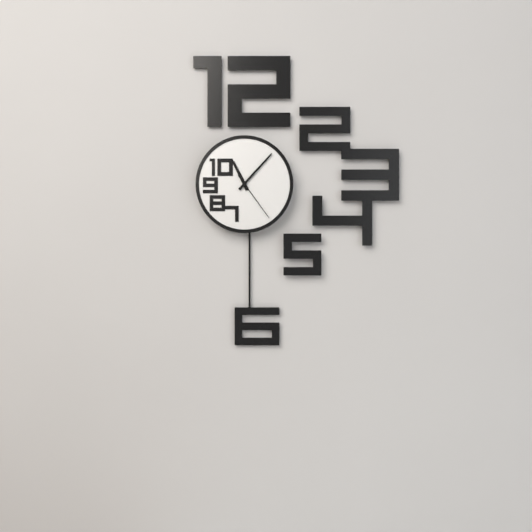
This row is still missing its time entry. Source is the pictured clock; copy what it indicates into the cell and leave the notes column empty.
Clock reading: 11:07:24
